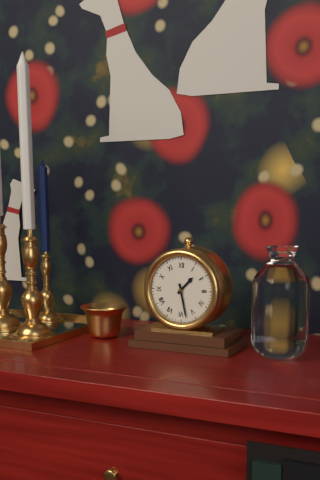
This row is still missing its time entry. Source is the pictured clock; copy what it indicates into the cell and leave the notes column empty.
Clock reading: 1:28
